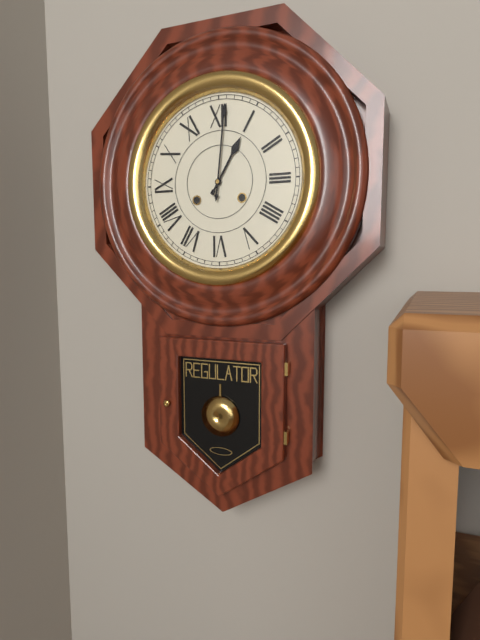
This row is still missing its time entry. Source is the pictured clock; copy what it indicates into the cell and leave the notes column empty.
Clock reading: 1:01
